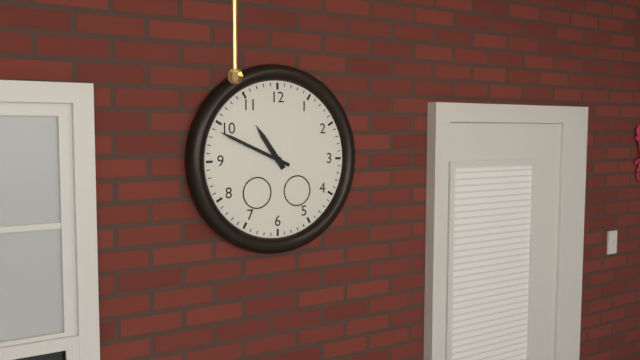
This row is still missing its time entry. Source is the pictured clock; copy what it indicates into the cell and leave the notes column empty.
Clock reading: 10:49
